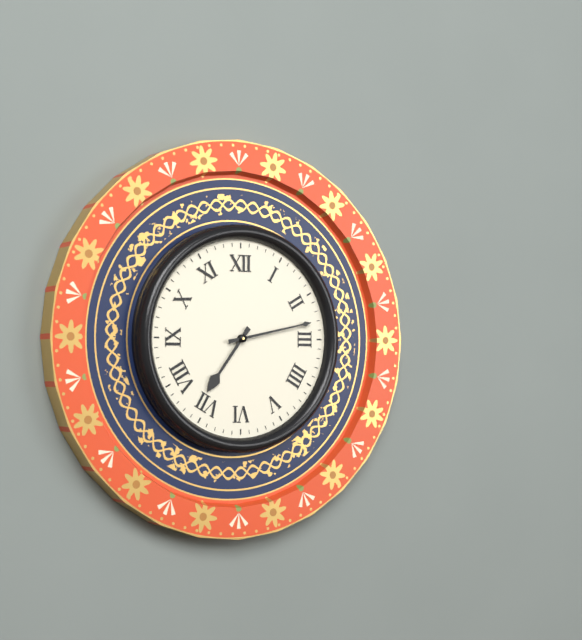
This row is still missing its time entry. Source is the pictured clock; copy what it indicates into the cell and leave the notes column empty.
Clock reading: 7:13
